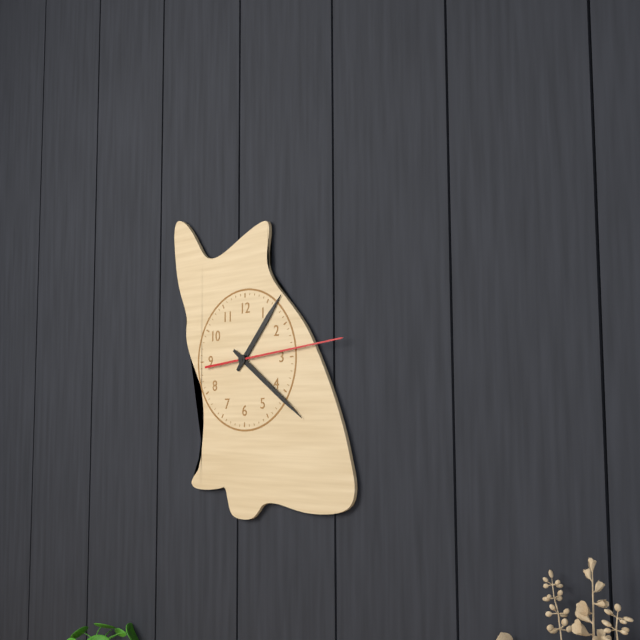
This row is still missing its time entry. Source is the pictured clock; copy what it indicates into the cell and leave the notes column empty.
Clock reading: 1:21:14
